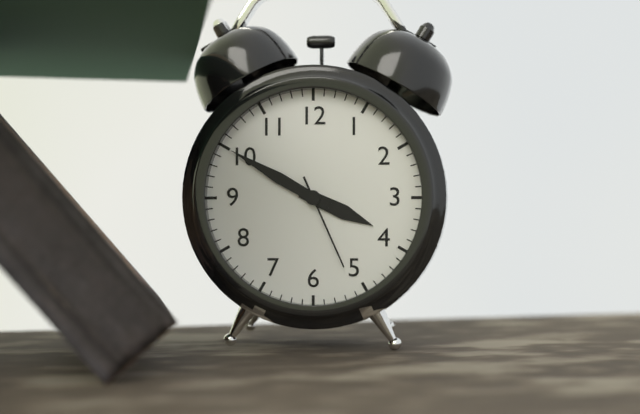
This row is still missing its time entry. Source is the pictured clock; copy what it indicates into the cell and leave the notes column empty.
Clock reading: 3:50:26
